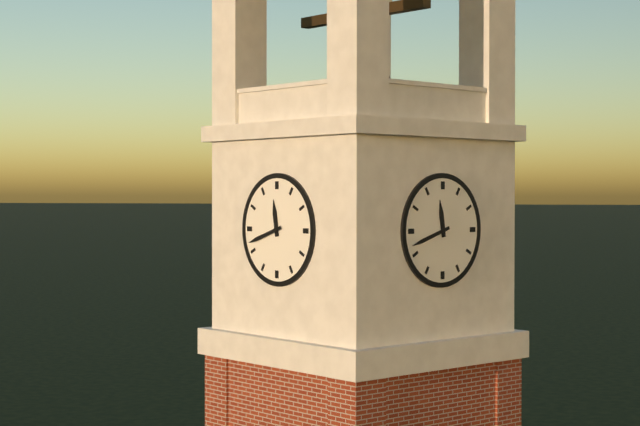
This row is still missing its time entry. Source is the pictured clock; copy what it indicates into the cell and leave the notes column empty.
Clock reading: 11:42
